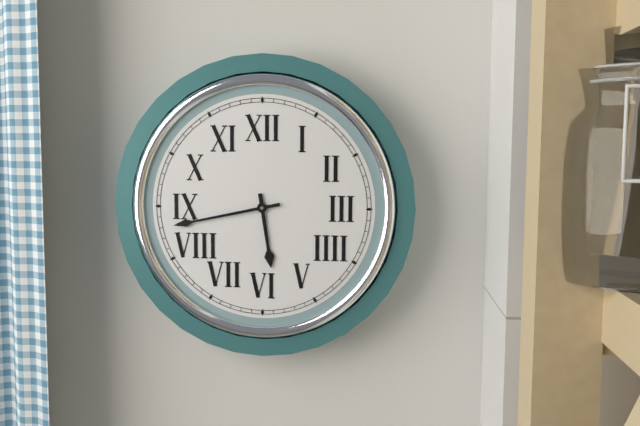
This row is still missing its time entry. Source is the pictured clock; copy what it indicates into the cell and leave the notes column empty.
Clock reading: 5:43
